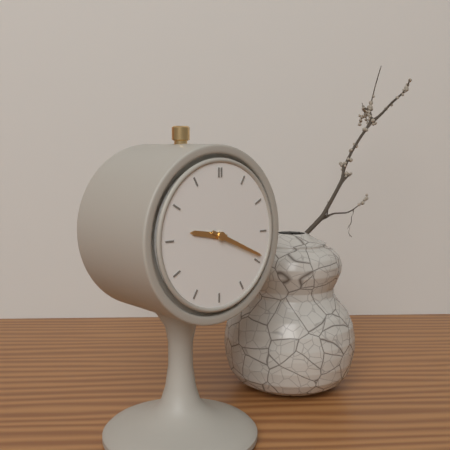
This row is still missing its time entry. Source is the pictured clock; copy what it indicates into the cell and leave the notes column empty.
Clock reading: 9:19
